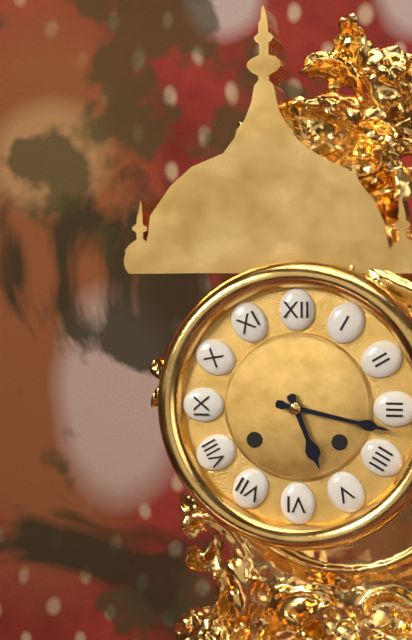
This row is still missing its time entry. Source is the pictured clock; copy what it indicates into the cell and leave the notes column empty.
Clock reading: 5:17
